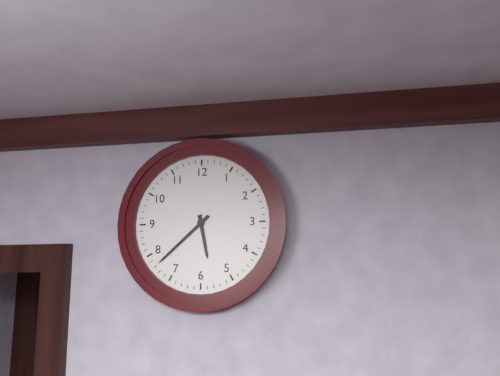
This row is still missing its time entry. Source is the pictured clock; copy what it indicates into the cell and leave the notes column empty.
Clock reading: 5:38
